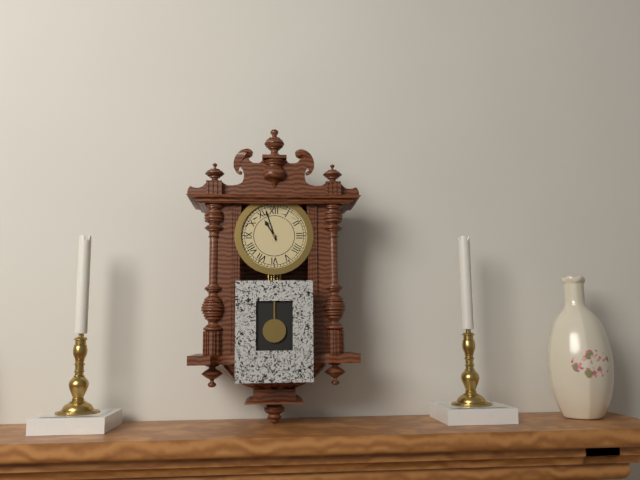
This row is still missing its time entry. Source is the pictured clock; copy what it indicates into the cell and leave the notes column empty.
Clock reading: 10:57
